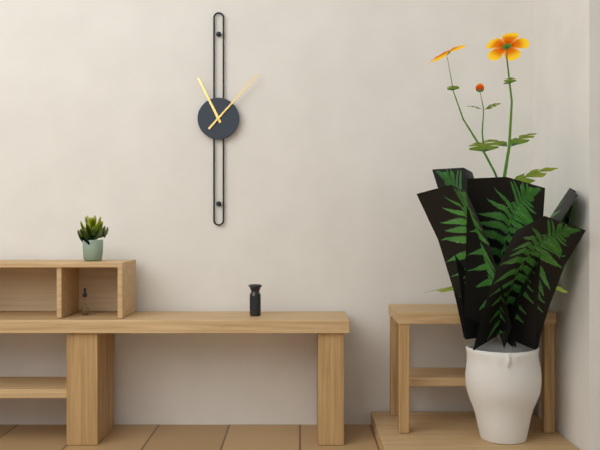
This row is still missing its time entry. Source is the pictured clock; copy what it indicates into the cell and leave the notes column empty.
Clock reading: 11:07
